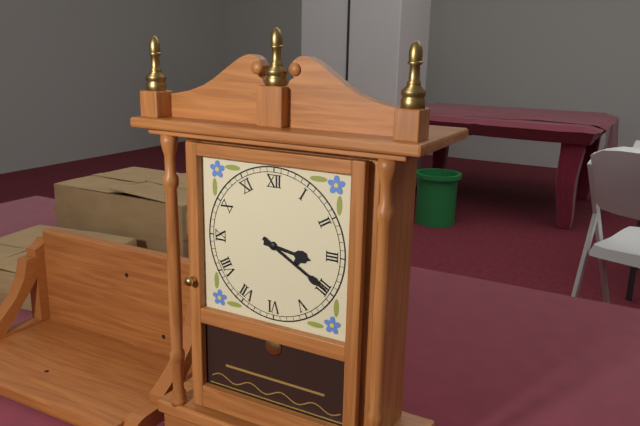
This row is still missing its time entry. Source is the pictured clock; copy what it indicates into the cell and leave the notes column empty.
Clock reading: 3:20
